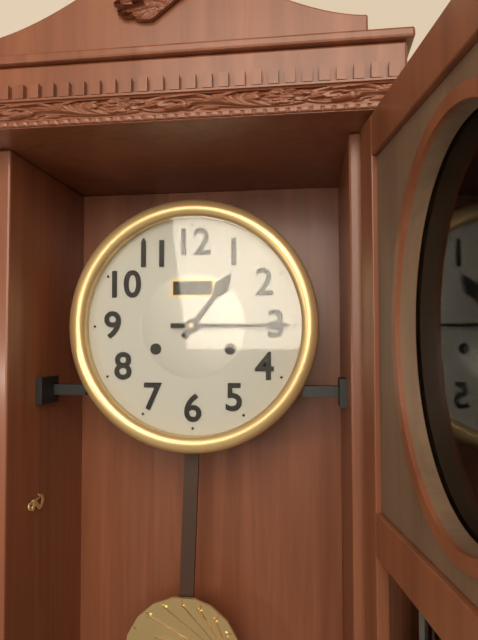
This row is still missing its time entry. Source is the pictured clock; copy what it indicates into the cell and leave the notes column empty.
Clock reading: 1:15
